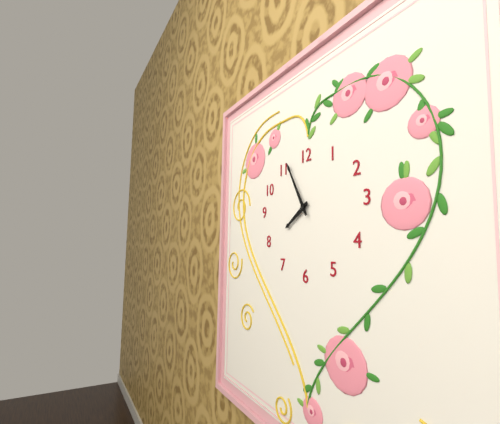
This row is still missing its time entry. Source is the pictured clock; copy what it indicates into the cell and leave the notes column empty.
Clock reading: 7:55
